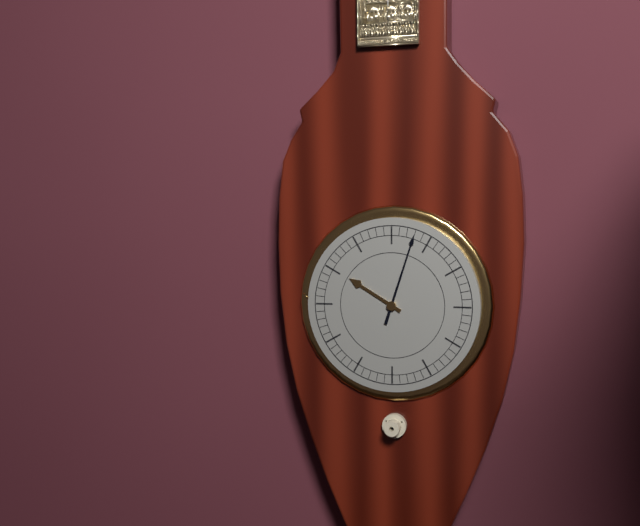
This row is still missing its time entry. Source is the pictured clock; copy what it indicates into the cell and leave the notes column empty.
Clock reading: 10:03
